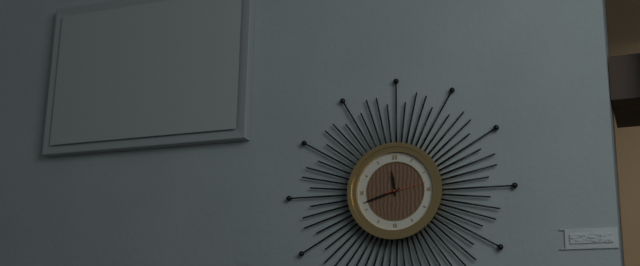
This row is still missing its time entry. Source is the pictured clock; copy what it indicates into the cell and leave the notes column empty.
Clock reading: 11:42
